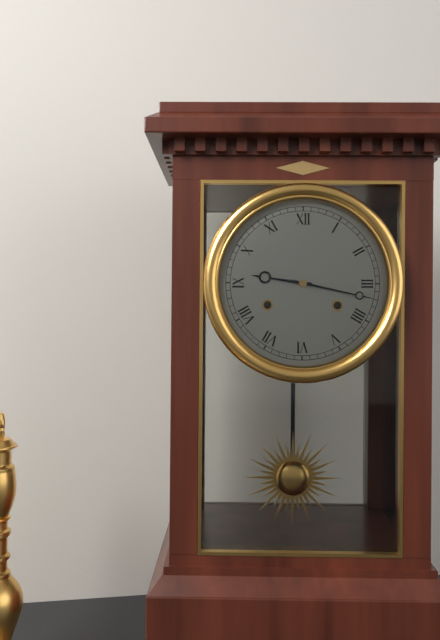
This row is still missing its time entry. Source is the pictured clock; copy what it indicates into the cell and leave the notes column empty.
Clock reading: 9:17
